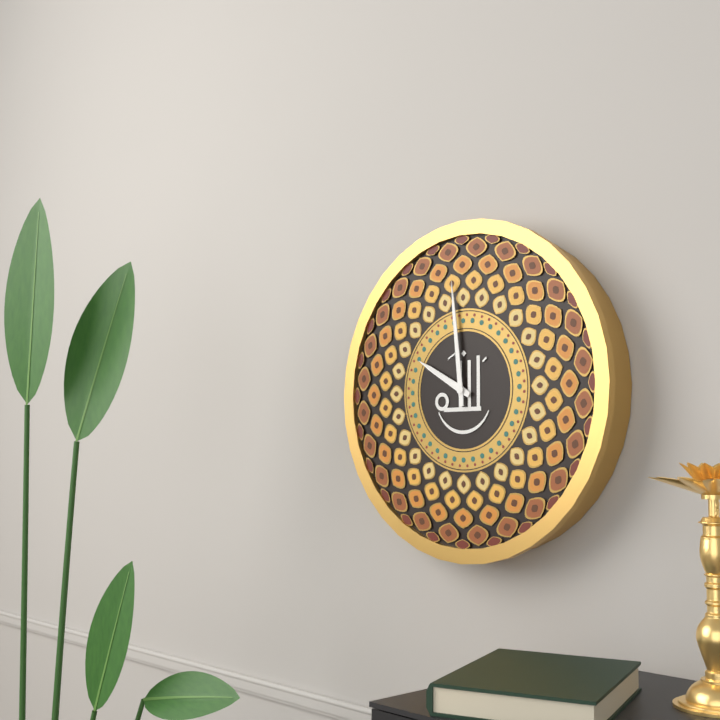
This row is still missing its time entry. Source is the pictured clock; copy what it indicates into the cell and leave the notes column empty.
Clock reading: 9:59
